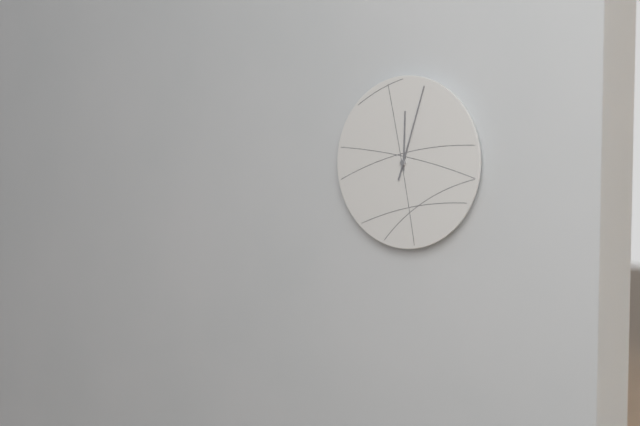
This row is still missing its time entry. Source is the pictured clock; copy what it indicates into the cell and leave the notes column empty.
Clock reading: 12:03
